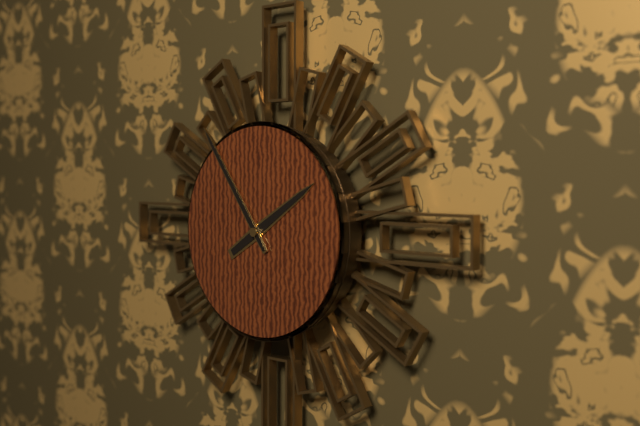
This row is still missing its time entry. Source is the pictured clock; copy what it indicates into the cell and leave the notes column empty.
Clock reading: 1:54
